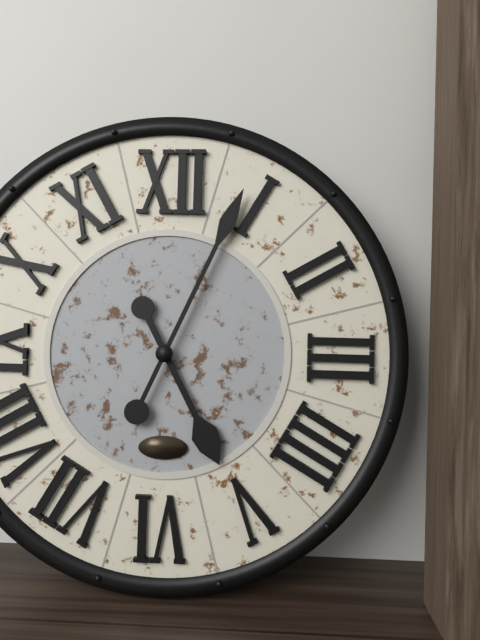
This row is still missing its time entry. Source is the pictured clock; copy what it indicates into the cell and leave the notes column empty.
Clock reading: 5:04
